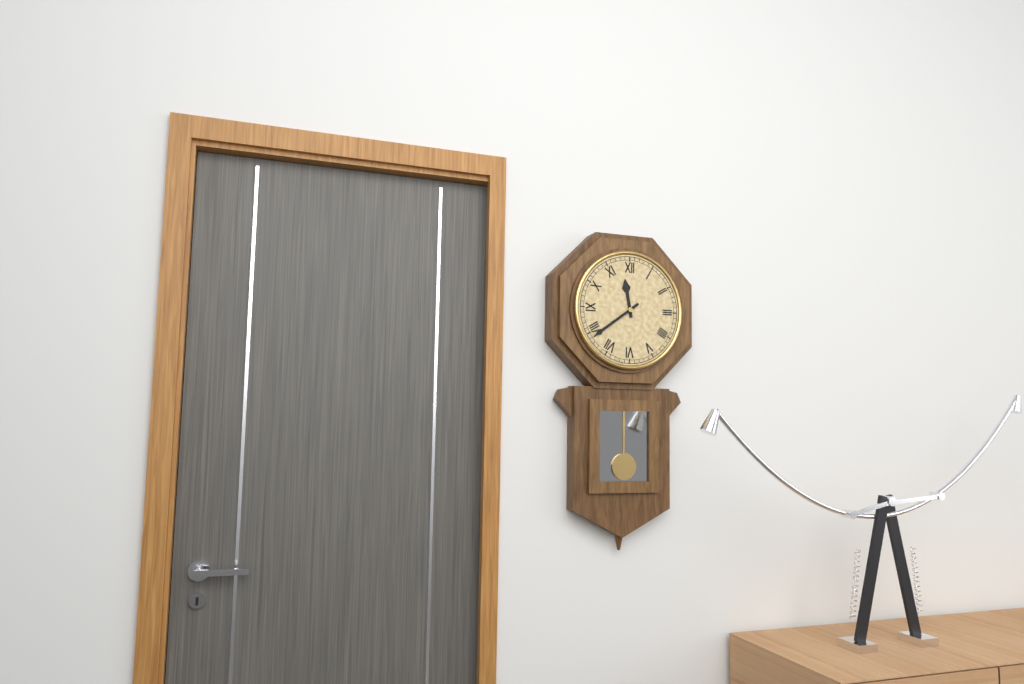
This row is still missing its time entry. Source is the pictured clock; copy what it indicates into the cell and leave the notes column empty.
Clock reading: 11:39
